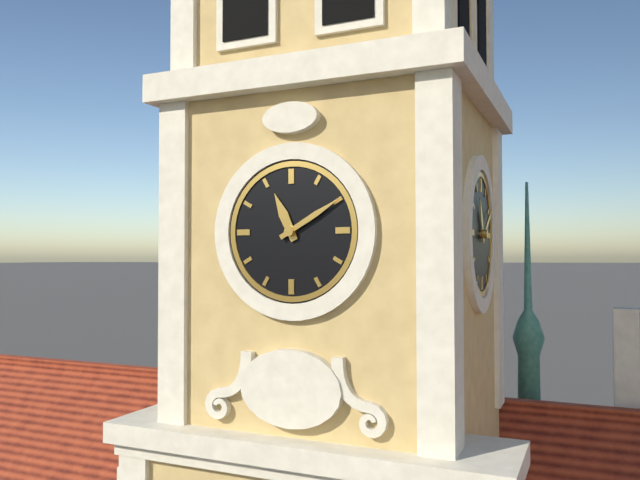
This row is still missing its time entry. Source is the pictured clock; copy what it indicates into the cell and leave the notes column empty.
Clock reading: 11:10
